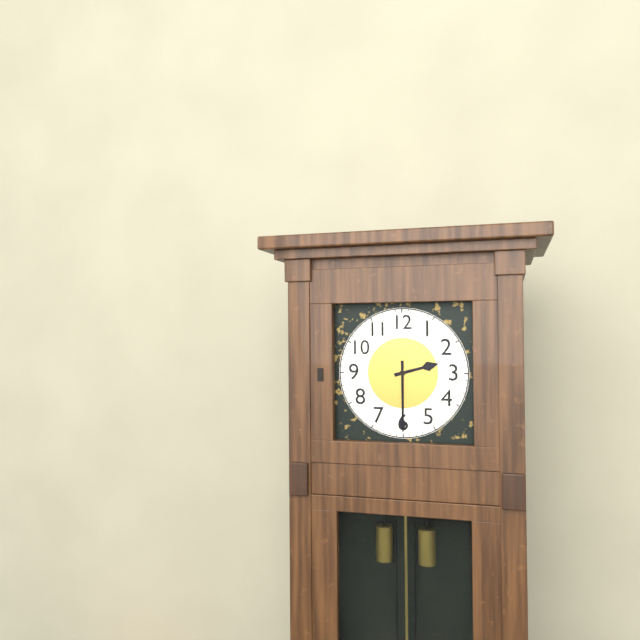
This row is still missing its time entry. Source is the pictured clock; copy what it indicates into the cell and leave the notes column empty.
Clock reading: 2:30
